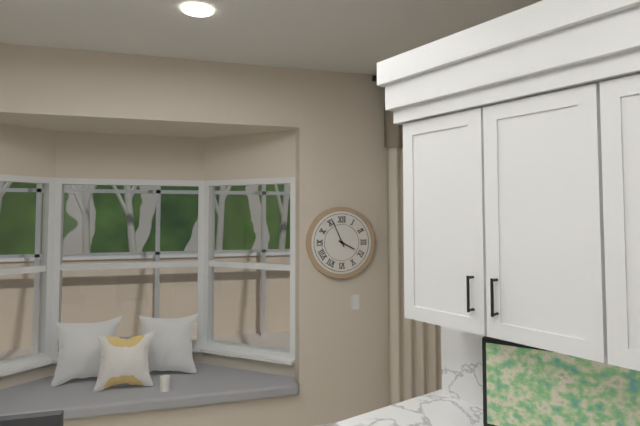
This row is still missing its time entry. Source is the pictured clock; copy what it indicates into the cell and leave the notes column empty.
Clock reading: 3:56
